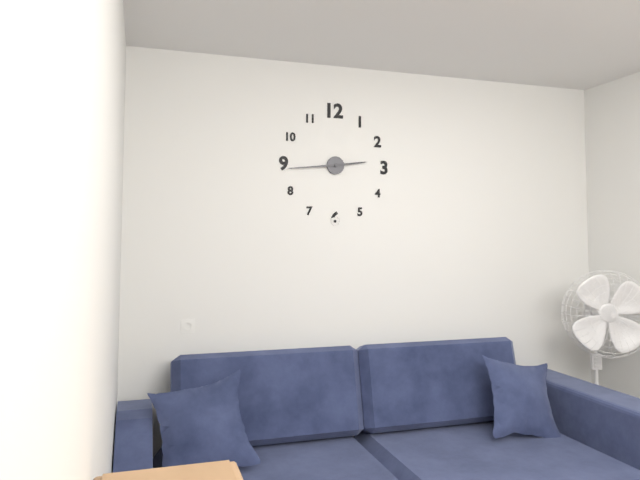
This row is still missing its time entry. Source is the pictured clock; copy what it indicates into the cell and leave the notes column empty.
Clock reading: 2:44
